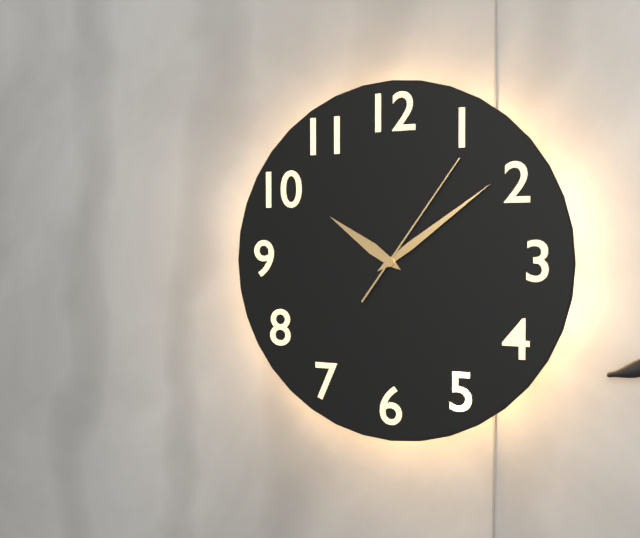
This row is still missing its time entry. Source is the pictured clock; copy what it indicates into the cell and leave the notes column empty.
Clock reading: 10:09:06
